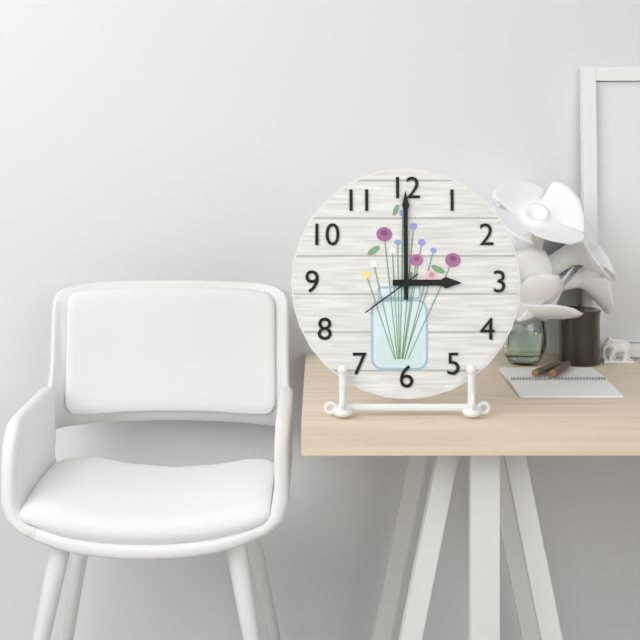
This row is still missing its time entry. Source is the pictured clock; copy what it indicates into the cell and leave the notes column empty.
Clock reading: 3:00:39
